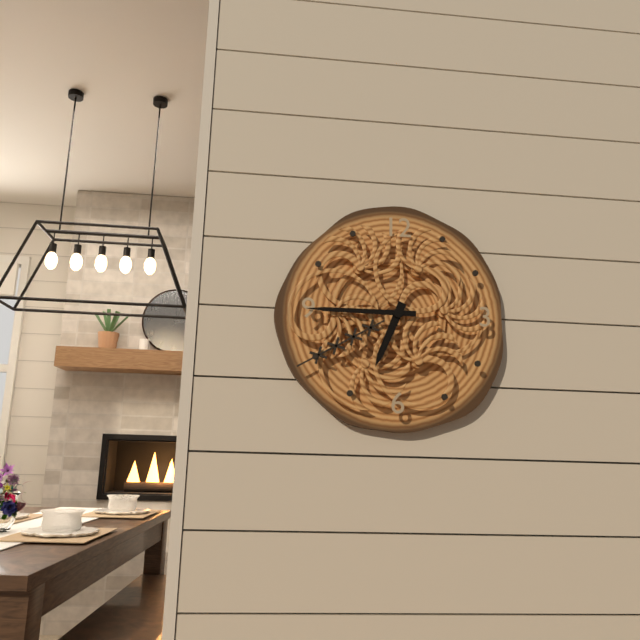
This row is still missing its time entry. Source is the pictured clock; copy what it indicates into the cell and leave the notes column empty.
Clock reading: 6:45
